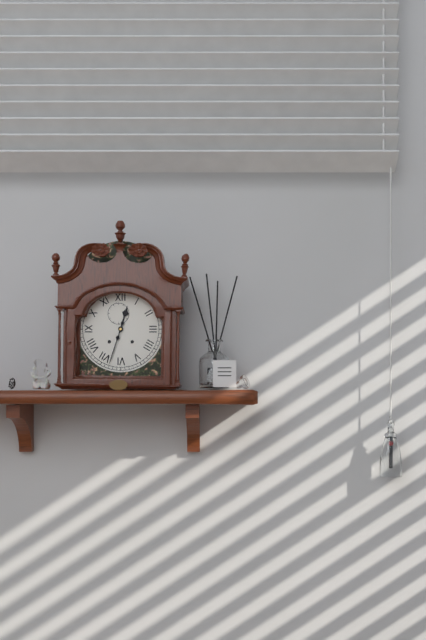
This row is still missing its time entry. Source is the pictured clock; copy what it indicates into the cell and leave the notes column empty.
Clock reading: 12:33
